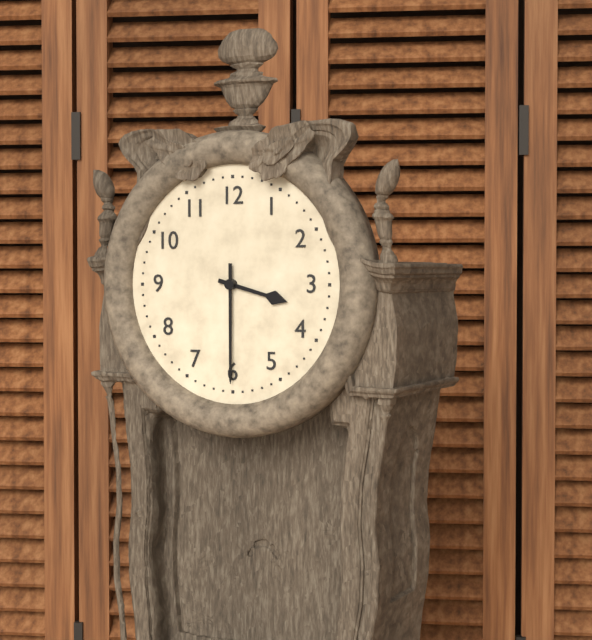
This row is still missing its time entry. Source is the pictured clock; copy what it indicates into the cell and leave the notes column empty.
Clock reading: 3:30
